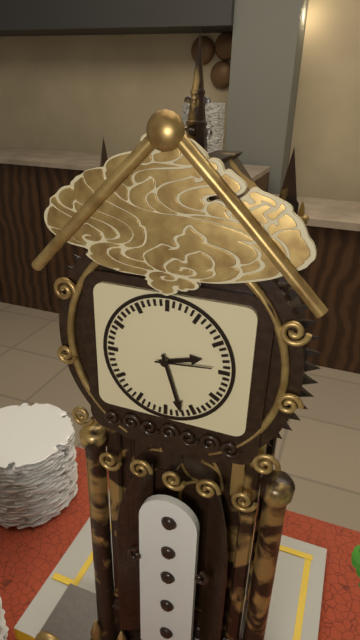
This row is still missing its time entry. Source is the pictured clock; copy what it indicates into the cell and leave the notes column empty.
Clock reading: 2:27:14
